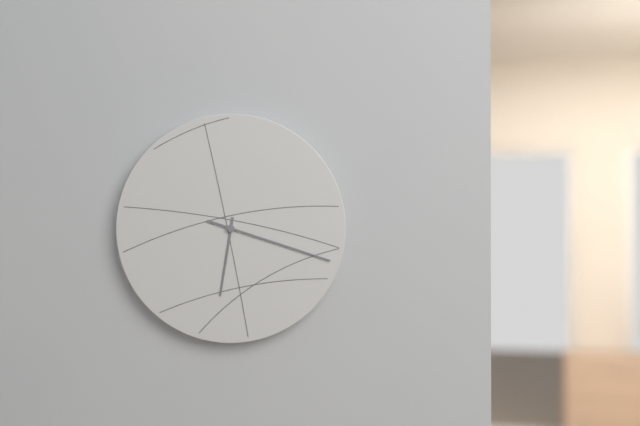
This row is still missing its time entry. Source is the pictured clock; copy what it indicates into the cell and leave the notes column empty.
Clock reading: 6:18
